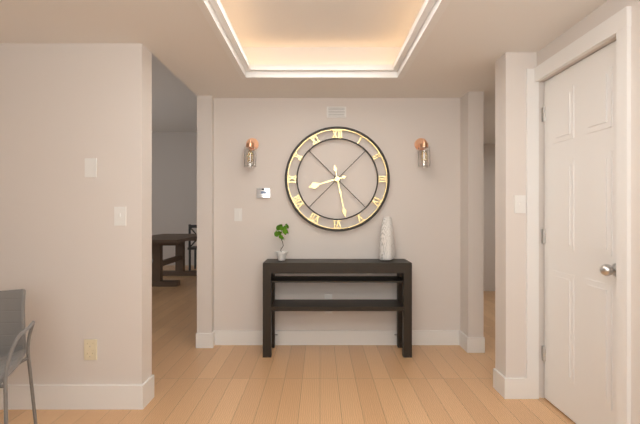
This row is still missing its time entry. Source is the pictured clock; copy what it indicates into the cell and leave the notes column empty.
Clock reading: 8:28
